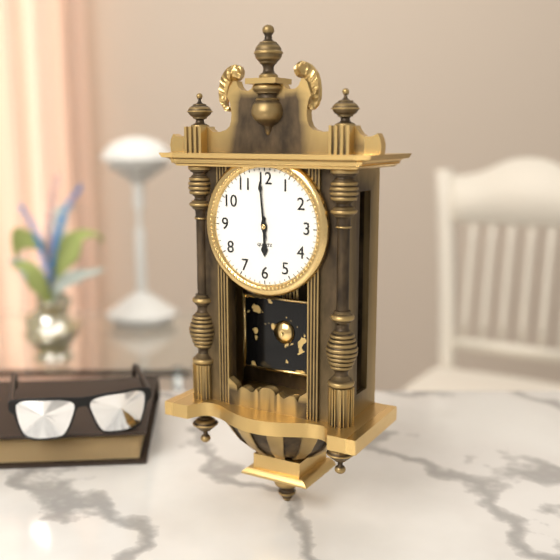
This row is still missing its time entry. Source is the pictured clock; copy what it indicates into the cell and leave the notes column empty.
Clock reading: 5:59
